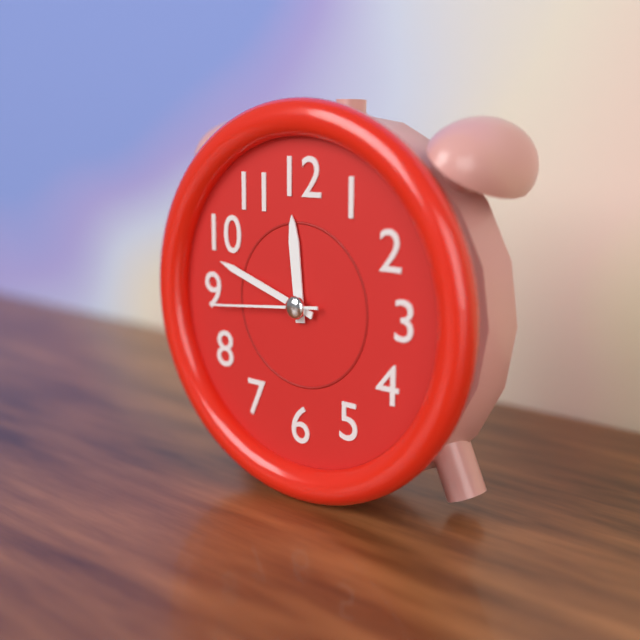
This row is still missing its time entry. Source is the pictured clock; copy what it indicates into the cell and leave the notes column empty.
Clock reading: 11:48:44
